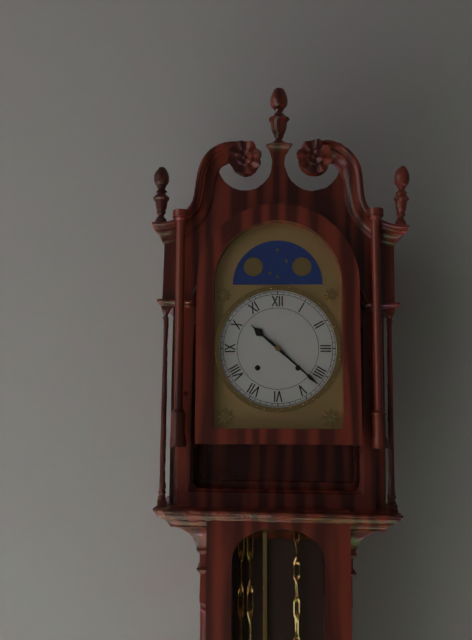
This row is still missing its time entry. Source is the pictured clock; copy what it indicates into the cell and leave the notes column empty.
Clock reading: 10:22
